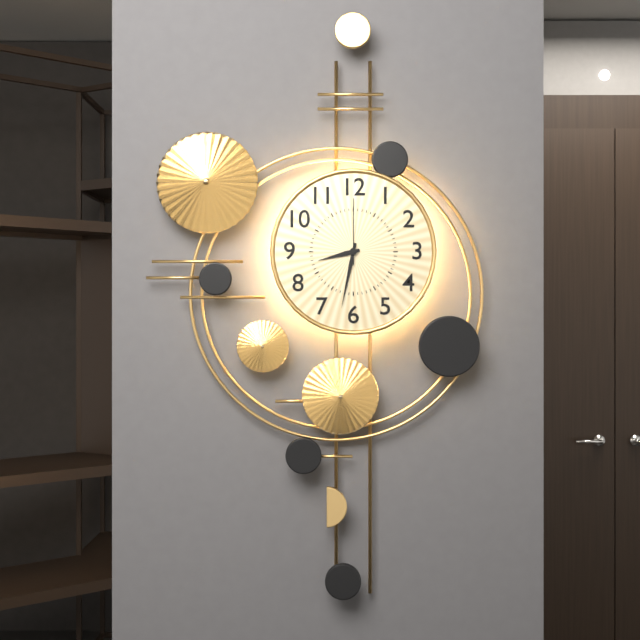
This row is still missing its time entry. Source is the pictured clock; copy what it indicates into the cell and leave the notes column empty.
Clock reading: 8:32:00
